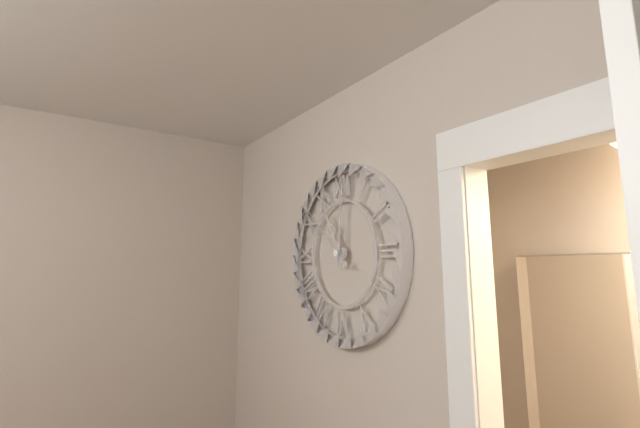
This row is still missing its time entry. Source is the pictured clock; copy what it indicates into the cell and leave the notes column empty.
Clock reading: 11:01:52
